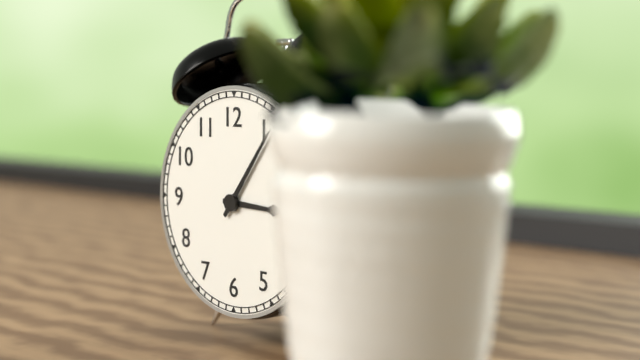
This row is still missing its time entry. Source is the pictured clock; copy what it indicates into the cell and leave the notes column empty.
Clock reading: 3:06
